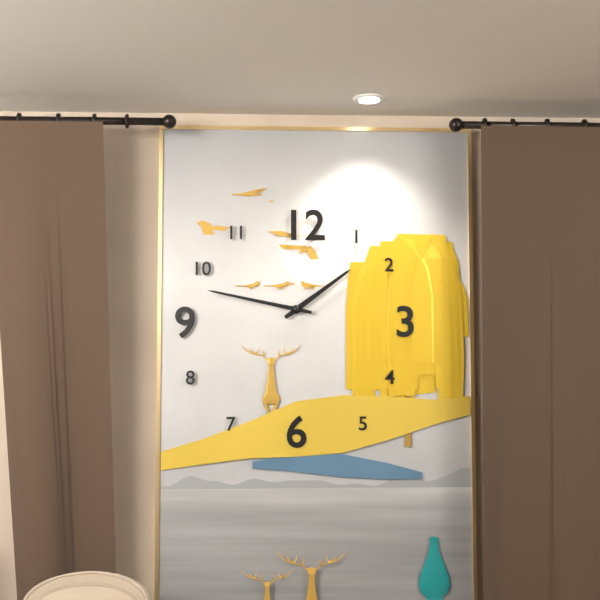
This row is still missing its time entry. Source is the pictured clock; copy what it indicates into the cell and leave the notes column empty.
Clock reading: 1:47
